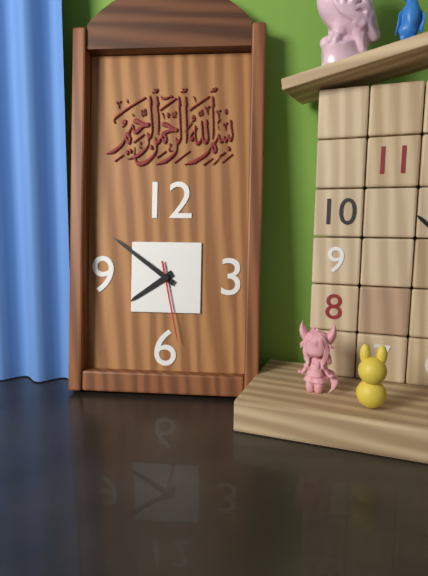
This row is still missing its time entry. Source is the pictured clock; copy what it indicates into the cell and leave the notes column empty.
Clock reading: 7:51:28
